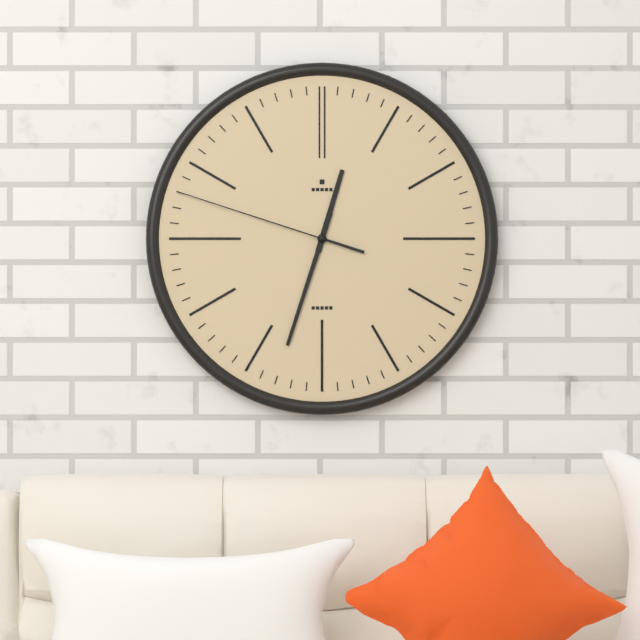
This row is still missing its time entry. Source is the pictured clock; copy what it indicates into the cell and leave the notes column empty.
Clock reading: 12:33:48
